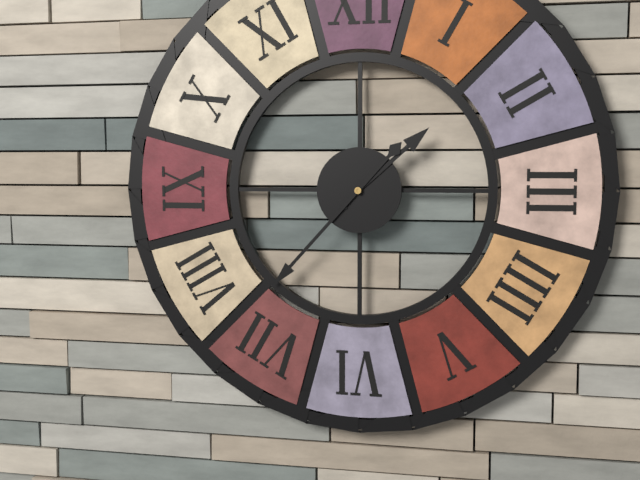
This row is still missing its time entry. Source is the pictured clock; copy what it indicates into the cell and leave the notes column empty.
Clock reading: 1:37
